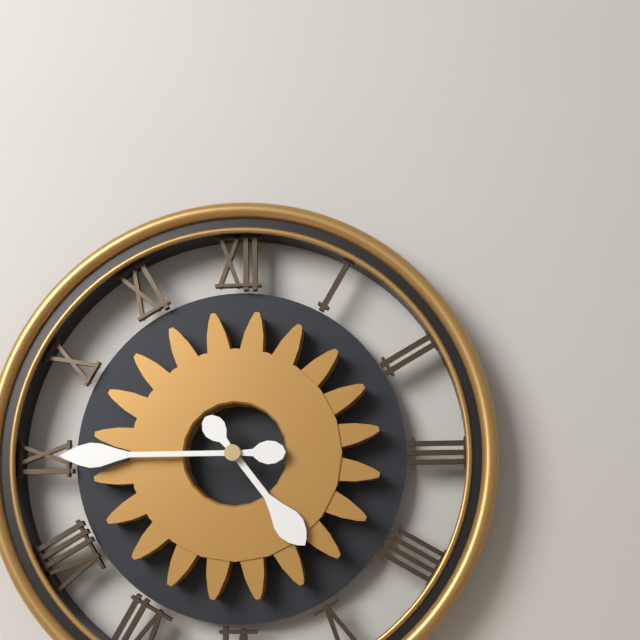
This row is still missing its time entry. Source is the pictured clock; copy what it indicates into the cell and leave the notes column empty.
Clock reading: 4:45
